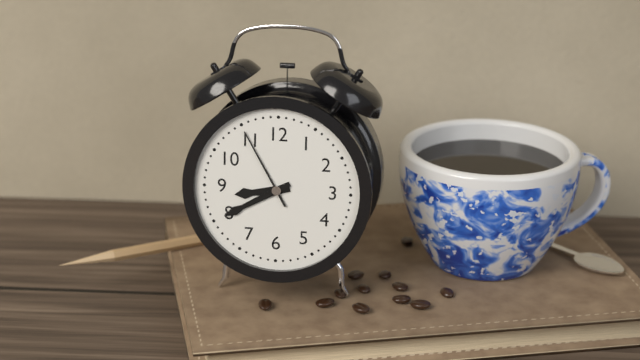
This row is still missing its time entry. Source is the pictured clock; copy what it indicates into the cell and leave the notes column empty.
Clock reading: 8:40:55
